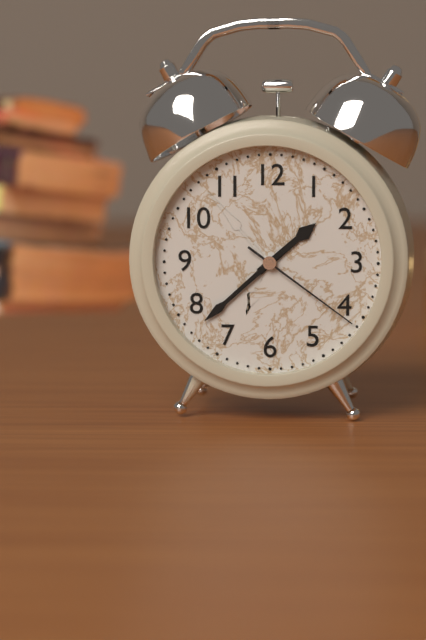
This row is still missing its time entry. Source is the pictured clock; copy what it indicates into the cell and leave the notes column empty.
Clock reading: 1:38:21
